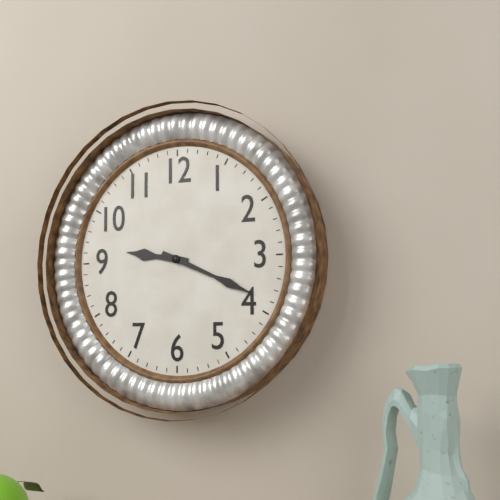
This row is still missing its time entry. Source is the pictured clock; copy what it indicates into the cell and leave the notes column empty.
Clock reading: 9:19
